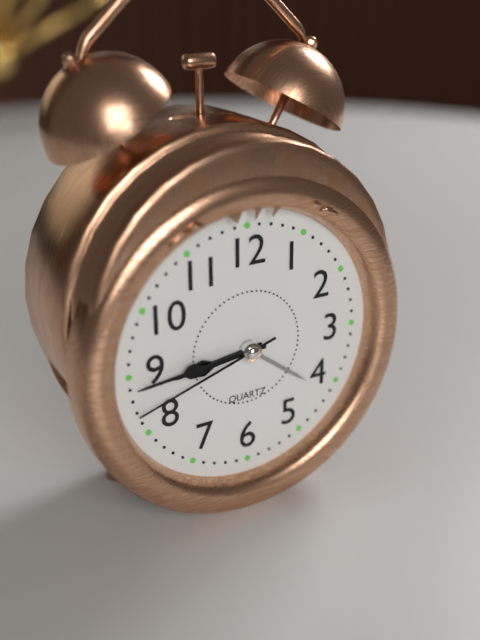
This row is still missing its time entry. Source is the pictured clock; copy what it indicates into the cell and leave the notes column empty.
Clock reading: 8:44:42
